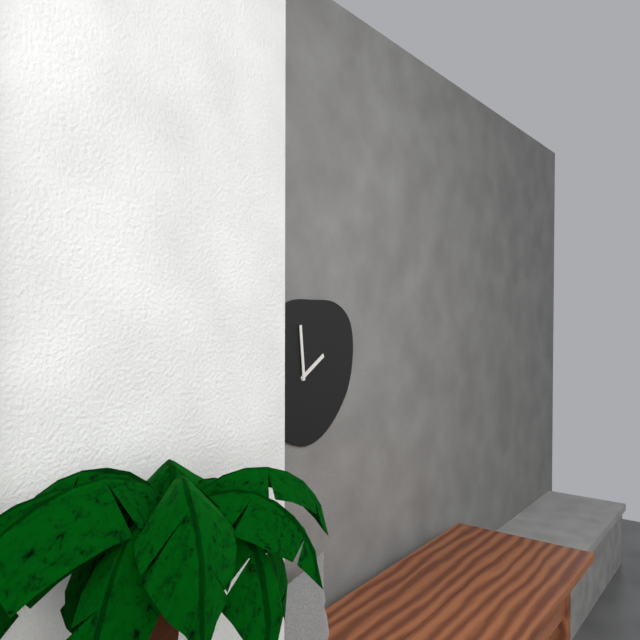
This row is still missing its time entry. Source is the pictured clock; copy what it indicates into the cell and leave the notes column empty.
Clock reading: 1:59
